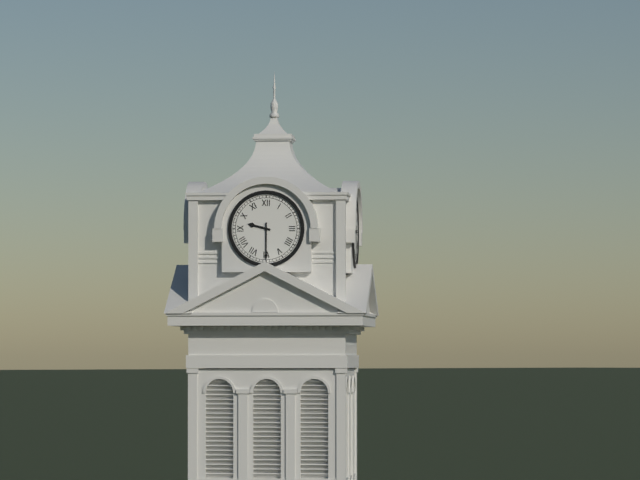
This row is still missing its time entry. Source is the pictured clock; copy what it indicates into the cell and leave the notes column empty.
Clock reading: 9:30
